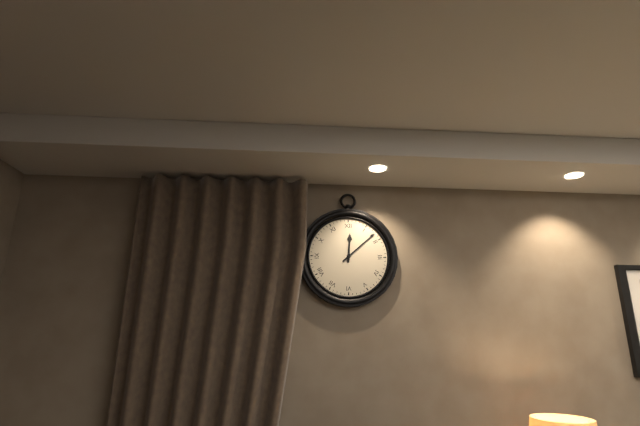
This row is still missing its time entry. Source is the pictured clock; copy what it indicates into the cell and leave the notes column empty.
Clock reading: 12:08
